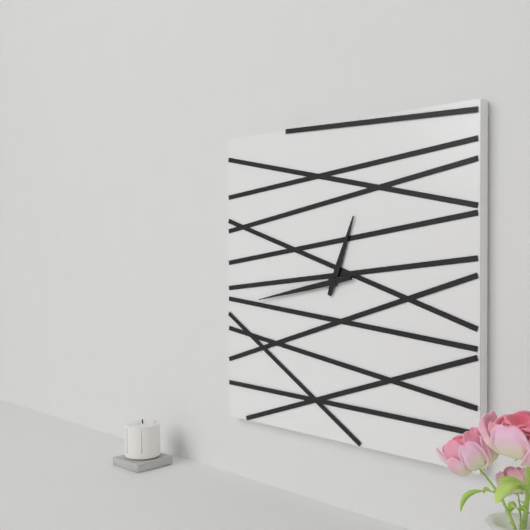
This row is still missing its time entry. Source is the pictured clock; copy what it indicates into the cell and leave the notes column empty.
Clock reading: 12:43
